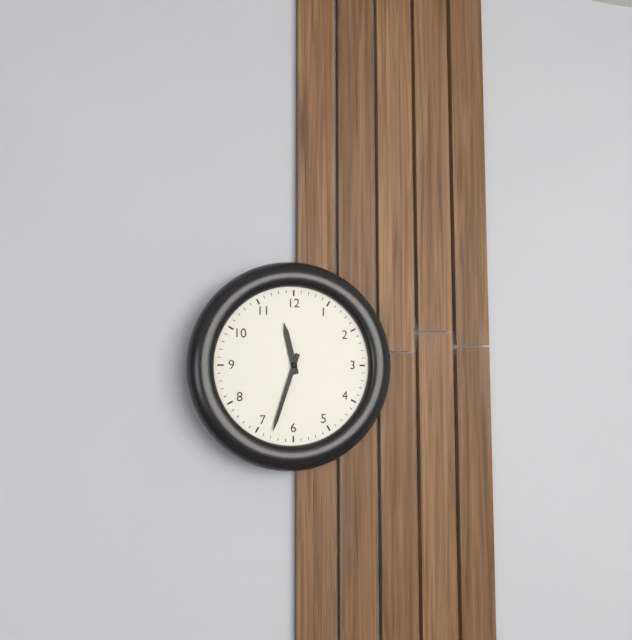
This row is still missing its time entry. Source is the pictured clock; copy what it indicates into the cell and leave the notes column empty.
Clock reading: 11:33
